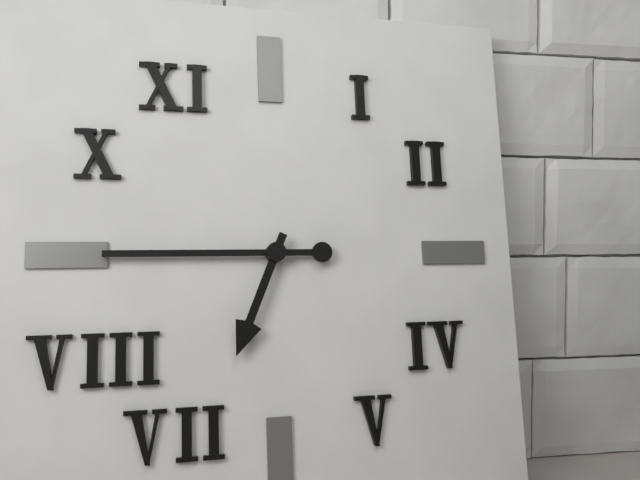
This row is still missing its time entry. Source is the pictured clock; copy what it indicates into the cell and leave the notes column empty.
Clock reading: 6:45
